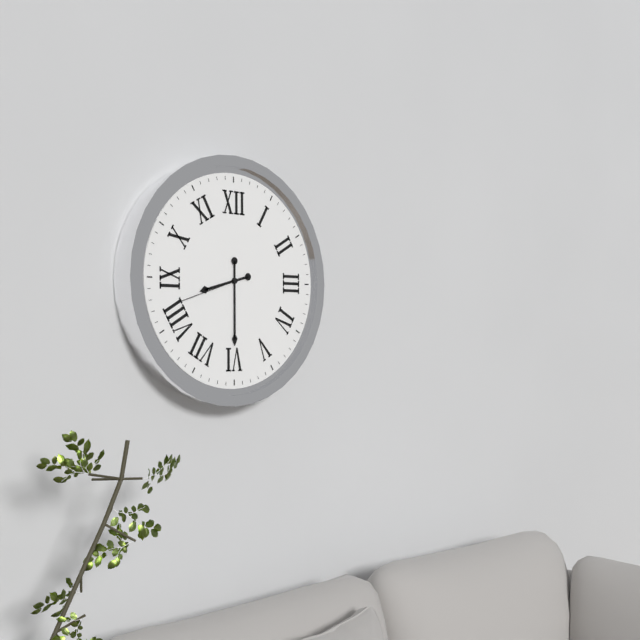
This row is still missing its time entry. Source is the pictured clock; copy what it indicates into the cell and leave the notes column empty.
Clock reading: 8:30:42
